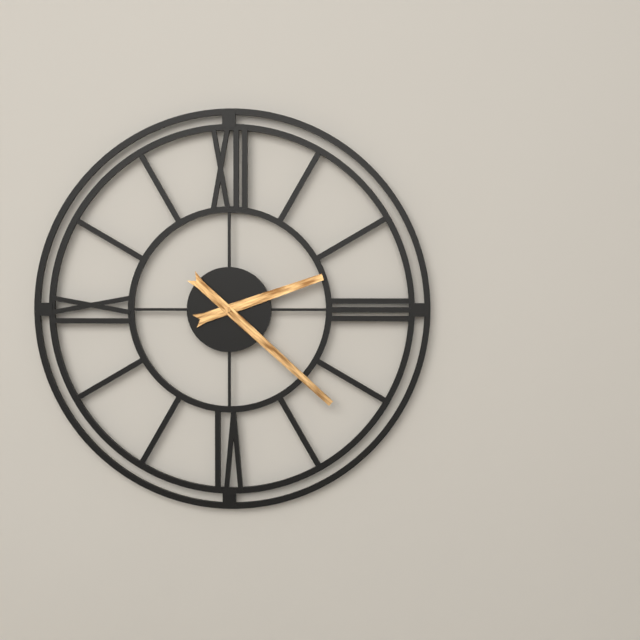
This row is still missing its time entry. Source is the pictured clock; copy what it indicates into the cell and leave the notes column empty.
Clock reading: 2:22
